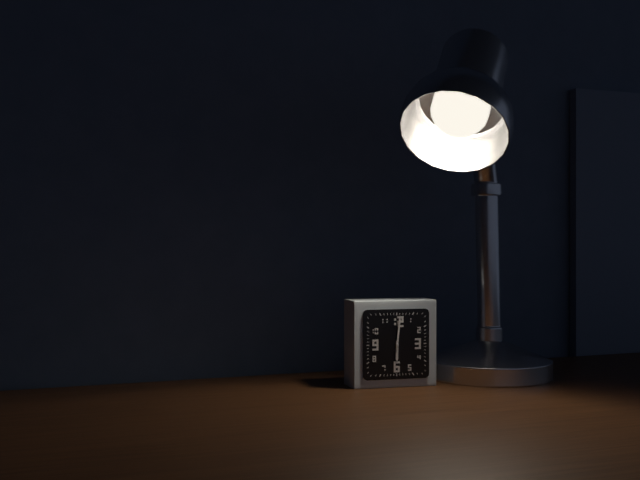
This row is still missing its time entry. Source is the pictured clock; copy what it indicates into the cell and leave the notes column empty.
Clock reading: 6:01
